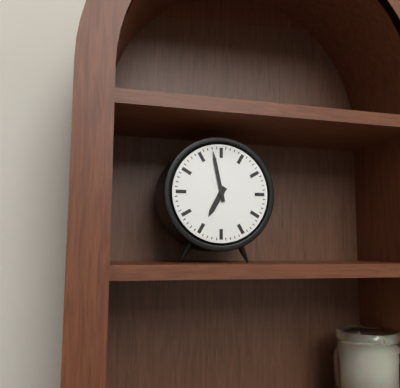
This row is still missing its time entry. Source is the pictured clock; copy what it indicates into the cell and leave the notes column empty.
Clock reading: 6:58
